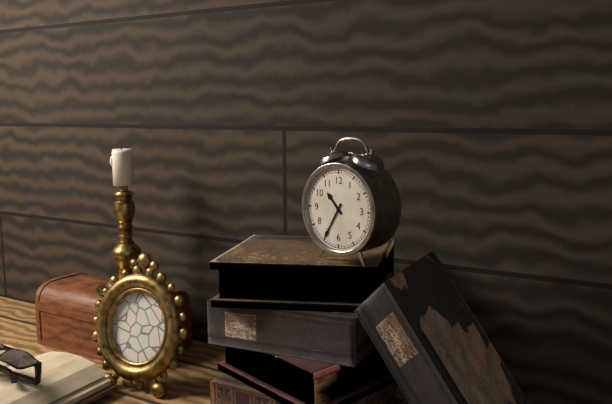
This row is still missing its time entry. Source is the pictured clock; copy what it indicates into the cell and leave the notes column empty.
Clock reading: 10:35
